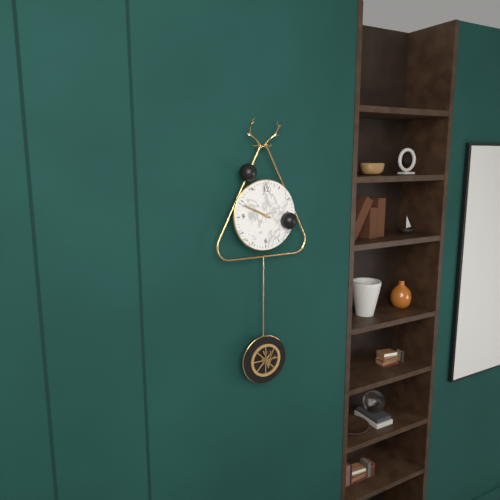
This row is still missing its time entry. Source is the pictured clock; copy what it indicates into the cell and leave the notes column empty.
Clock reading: 9:49
